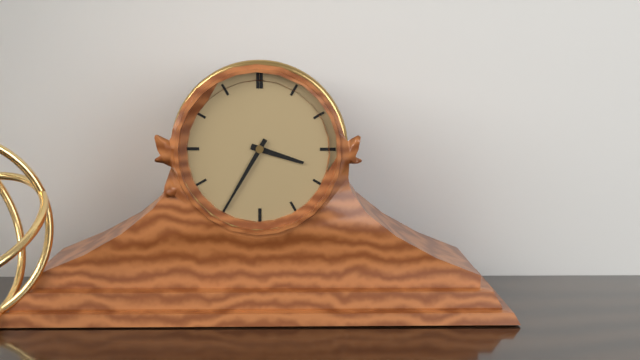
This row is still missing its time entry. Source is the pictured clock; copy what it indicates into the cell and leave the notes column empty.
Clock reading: 3:35
